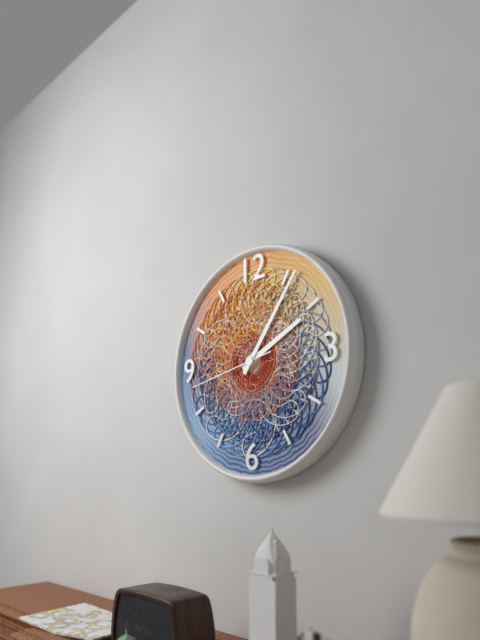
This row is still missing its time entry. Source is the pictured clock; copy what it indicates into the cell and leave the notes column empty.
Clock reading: 2:06:43
